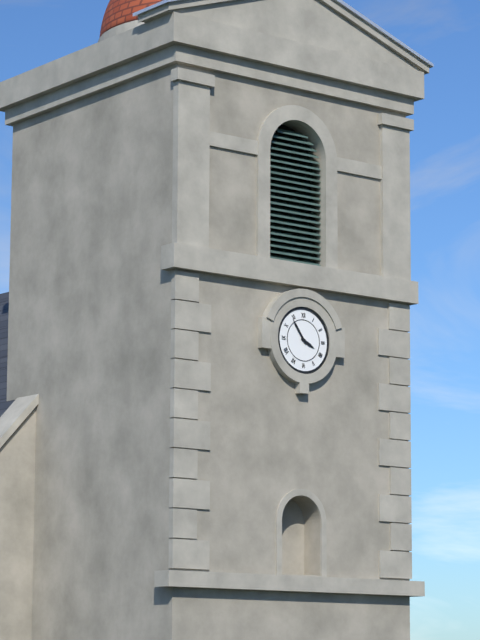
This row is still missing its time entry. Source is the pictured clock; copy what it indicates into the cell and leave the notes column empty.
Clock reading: 3:54
